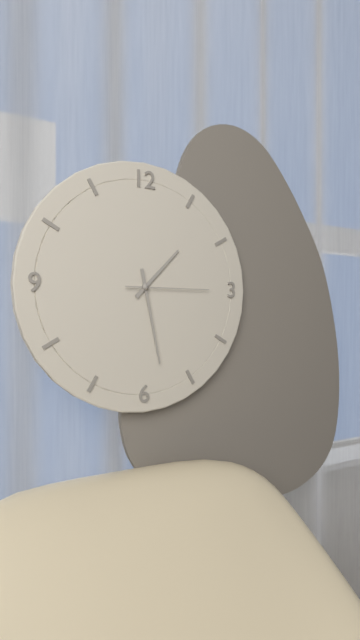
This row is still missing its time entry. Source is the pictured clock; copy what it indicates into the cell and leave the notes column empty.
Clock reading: 1:28:15
